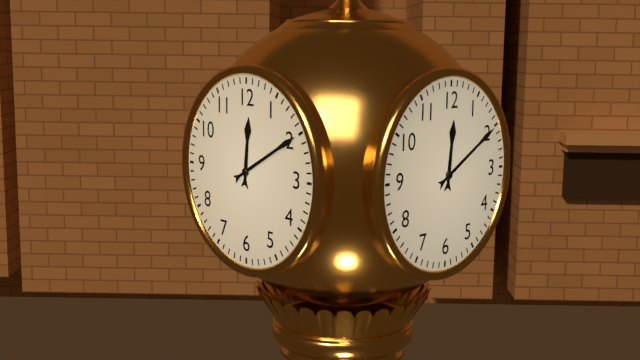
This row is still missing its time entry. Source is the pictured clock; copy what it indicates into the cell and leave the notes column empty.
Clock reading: 12:10
